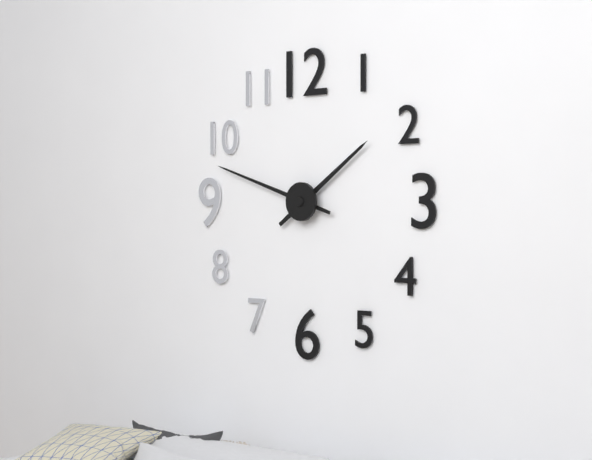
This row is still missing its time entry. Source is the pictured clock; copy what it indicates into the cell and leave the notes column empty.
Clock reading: 1:48
